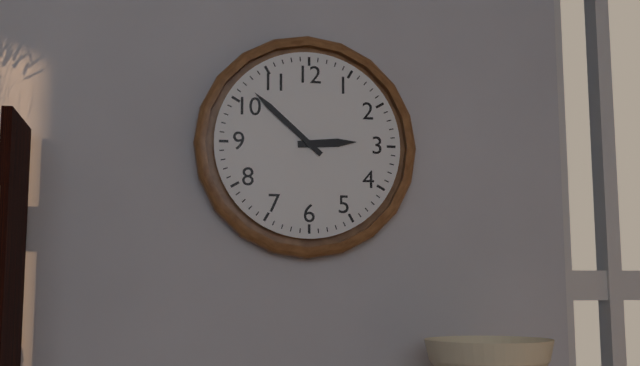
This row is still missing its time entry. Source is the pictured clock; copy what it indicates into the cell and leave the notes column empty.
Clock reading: 2:52
